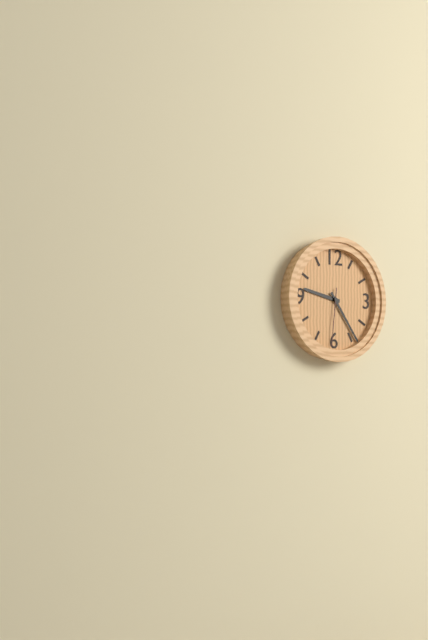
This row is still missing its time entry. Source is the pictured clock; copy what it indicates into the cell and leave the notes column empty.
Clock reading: 9:24:31
